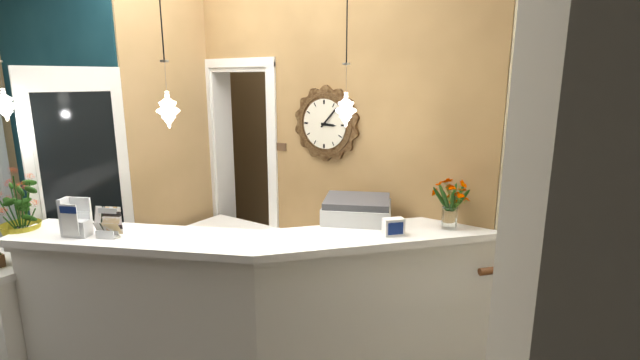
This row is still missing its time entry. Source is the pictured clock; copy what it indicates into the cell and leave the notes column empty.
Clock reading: 3:07
